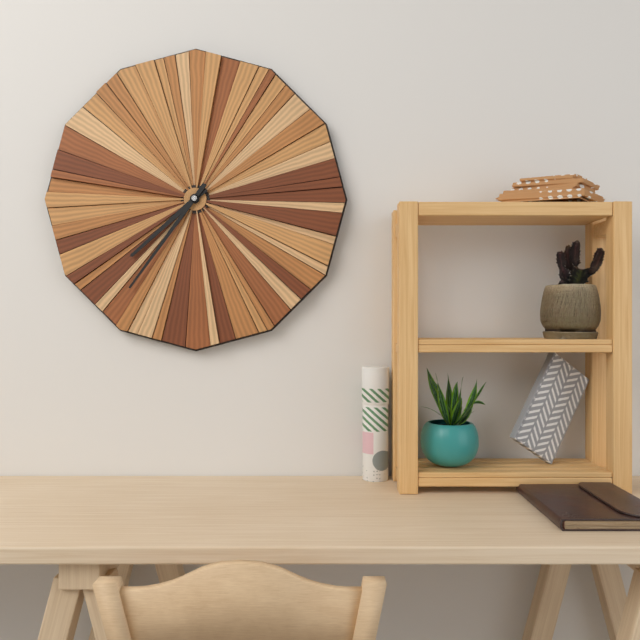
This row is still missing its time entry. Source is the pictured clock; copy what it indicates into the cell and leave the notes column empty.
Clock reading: 7:36
